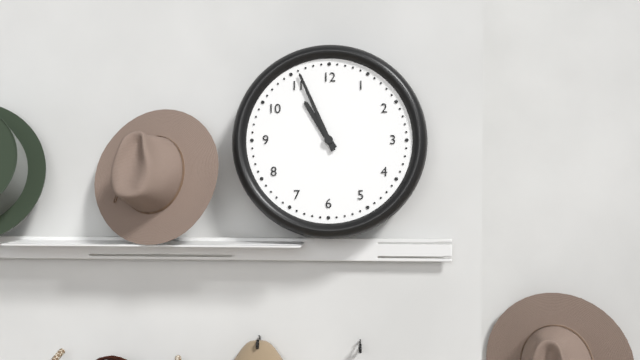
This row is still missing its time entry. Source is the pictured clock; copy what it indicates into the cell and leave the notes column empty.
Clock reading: 10:56
